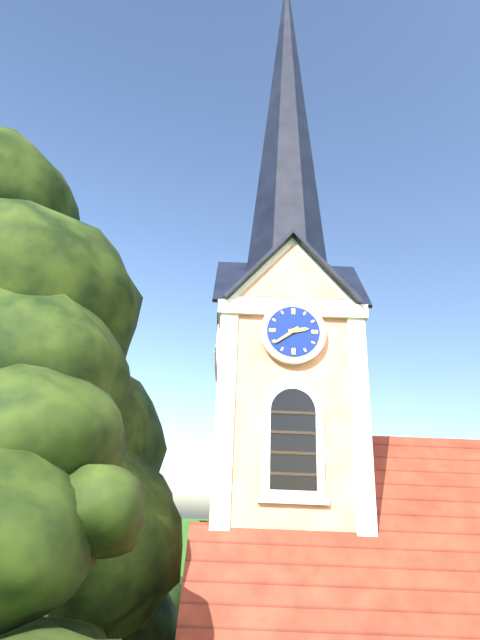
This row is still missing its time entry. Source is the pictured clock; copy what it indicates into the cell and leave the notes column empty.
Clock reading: 2:39
